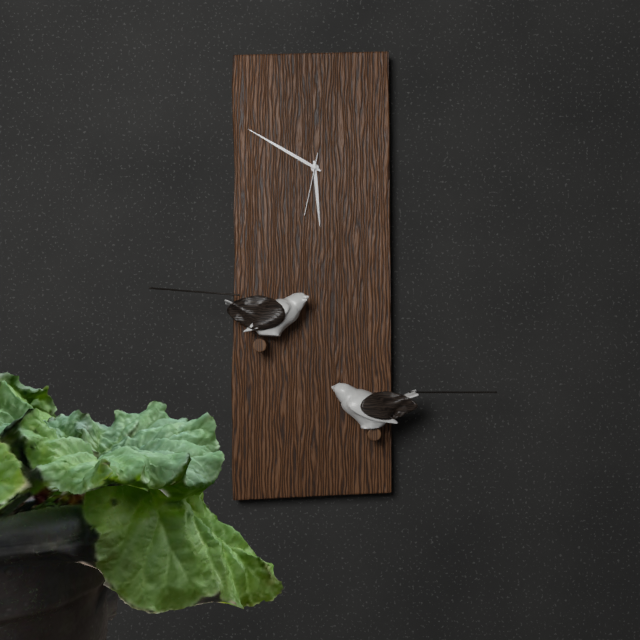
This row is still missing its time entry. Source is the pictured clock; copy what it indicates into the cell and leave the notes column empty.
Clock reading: 5:50:32
